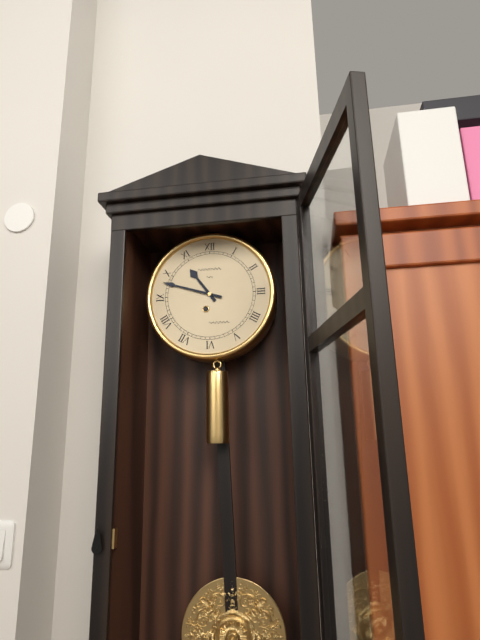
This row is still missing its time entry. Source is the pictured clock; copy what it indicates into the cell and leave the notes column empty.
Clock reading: 10:48
